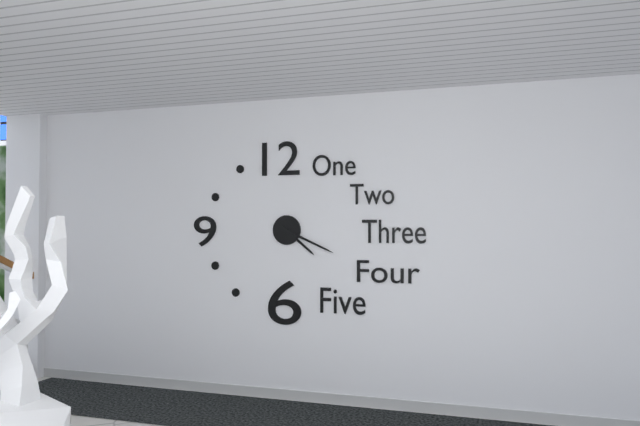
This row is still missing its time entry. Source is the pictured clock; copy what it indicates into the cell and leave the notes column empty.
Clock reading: 4:19
